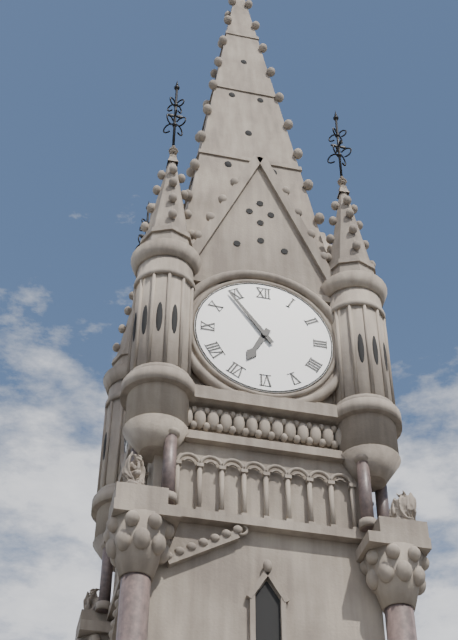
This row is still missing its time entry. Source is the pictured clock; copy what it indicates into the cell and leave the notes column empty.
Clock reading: 6:54
